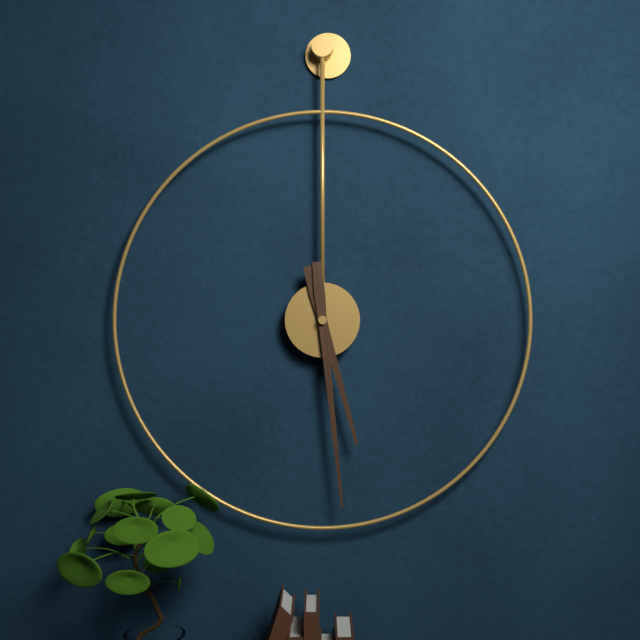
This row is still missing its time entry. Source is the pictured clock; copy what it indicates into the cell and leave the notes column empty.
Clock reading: 5:29
